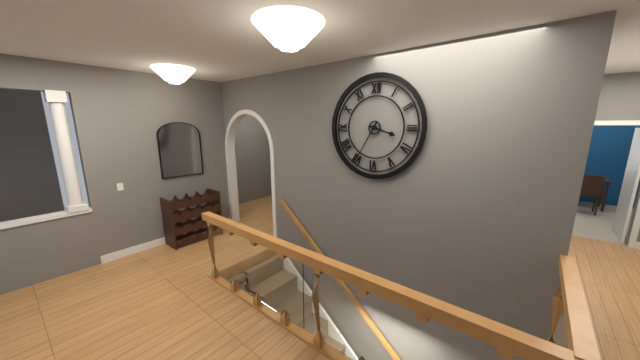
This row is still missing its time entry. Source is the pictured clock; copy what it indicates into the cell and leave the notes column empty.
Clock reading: 3:35
